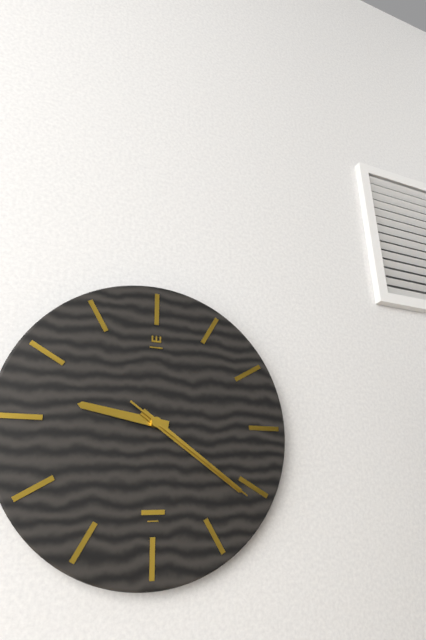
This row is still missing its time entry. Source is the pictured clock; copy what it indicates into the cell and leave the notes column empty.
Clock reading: 9:21:21
